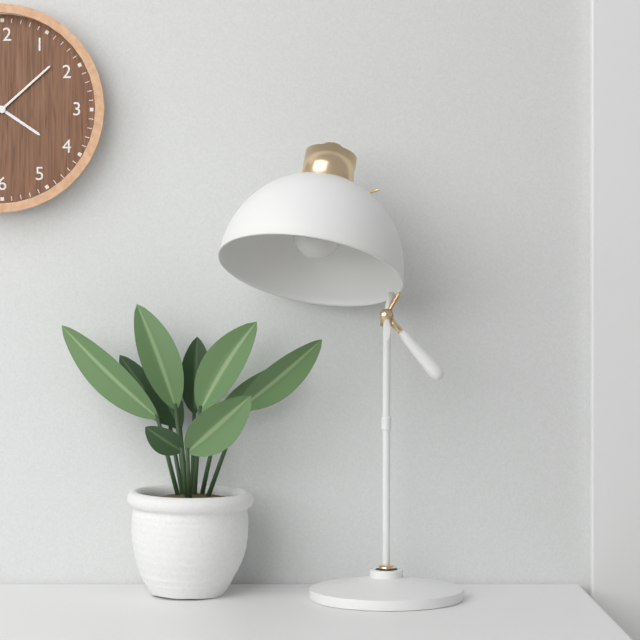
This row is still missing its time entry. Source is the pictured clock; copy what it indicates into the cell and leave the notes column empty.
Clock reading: 4:08
